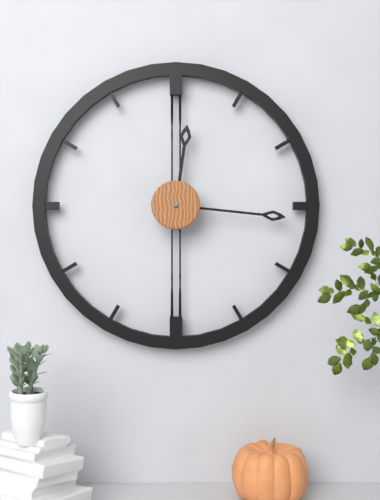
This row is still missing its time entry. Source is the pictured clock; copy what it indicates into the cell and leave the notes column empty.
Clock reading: 12:16
